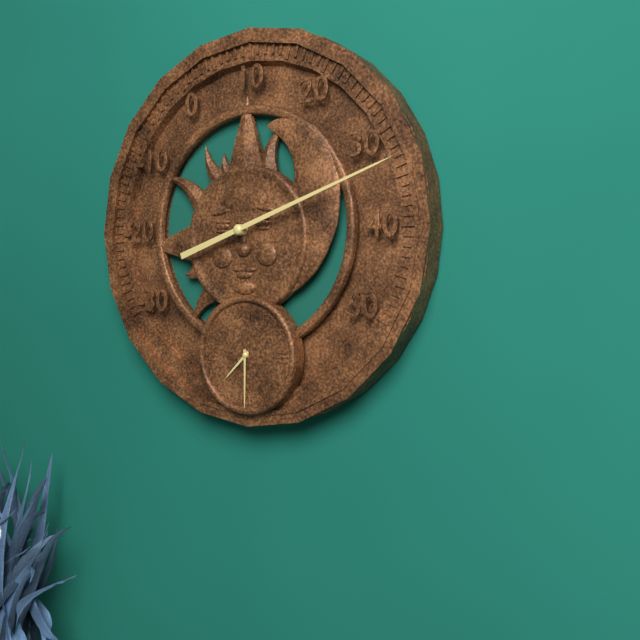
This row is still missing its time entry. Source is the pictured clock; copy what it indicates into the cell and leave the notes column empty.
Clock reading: 7:30
